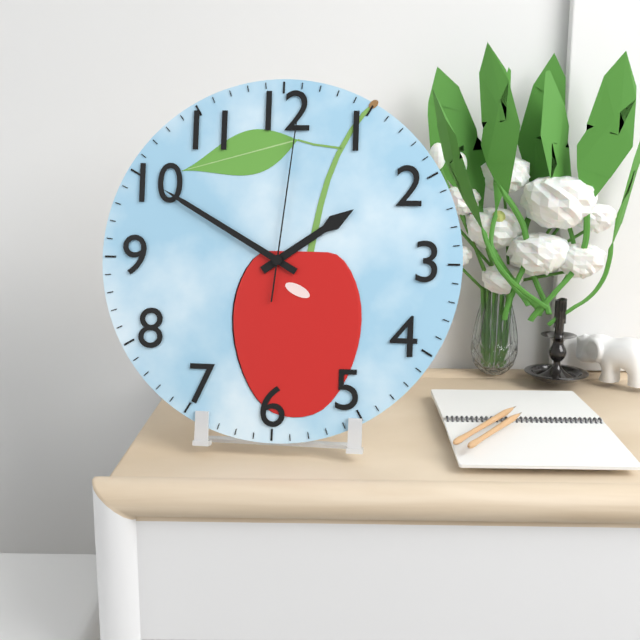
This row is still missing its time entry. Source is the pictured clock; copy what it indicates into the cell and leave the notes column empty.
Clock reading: 1:50:01
